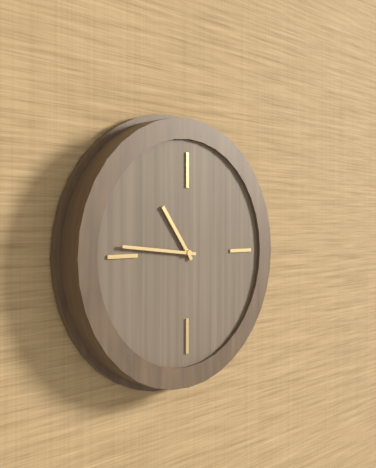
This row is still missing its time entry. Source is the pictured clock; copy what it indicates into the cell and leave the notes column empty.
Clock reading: 10:46
